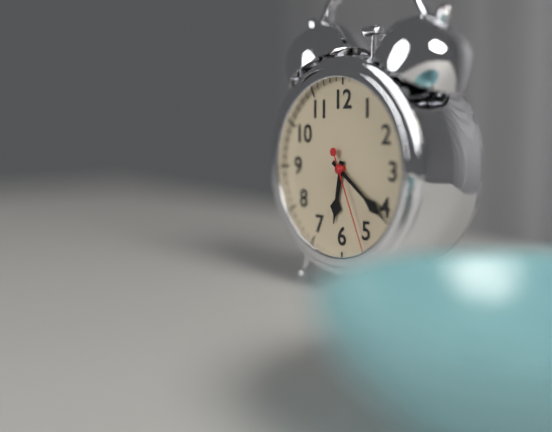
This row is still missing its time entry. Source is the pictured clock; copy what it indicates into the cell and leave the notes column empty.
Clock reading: 6:21:26
